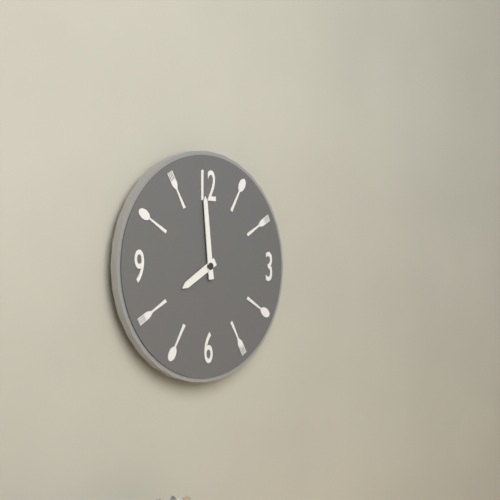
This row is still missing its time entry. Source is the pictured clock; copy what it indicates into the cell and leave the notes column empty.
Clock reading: 7:59
